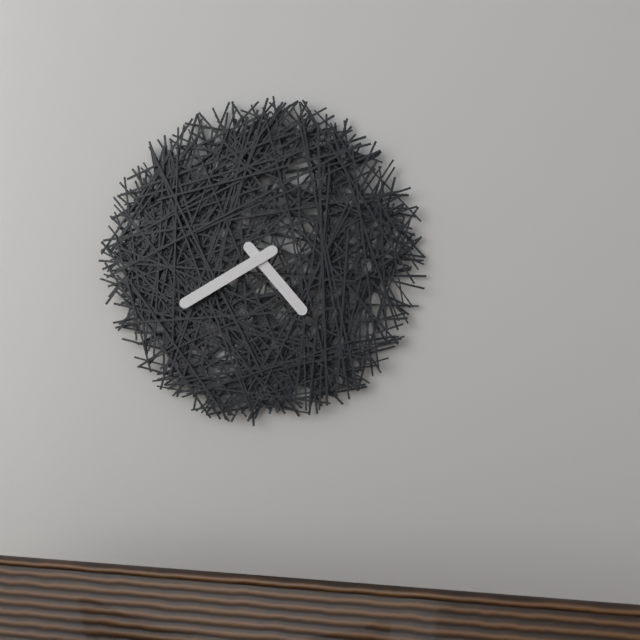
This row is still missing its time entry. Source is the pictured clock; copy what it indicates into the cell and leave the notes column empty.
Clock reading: 4:40
